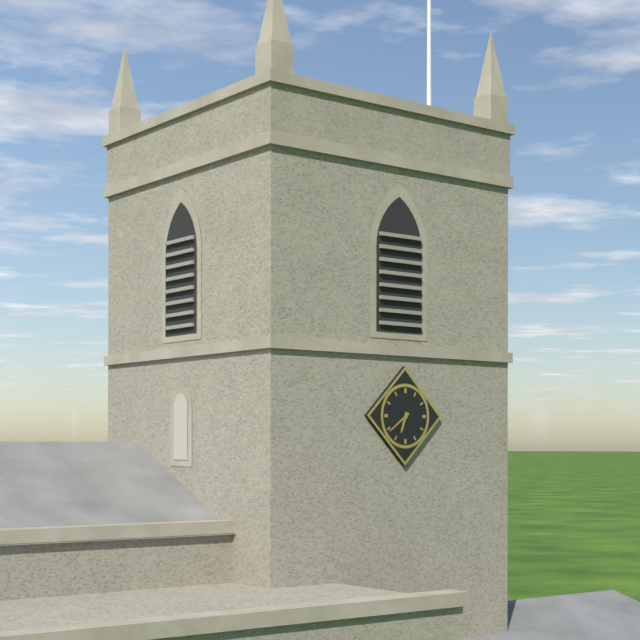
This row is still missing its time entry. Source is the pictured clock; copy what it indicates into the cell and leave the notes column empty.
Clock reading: 6:39
